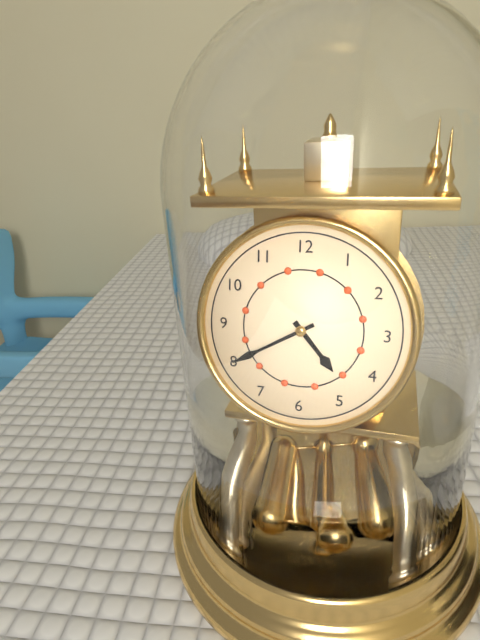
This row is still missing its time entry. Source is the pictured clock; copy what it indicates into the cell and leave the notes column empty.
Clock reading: 4:40
